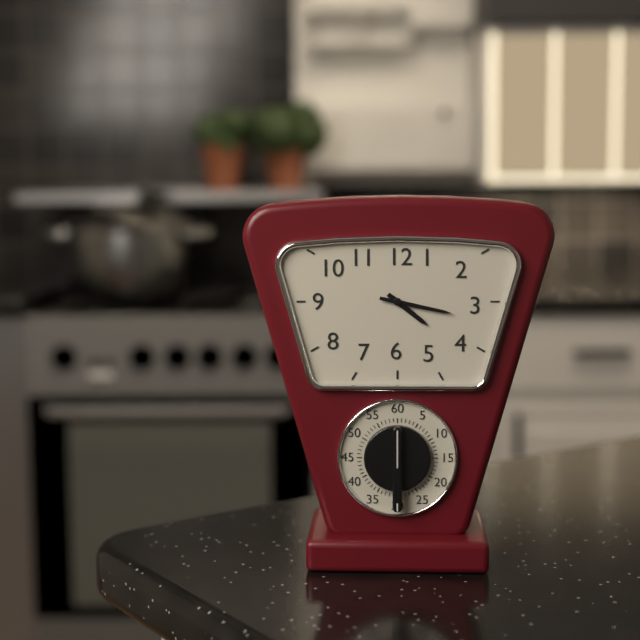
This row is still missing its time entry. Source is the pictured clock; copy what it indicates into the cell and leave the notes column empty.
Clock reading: 4:17
